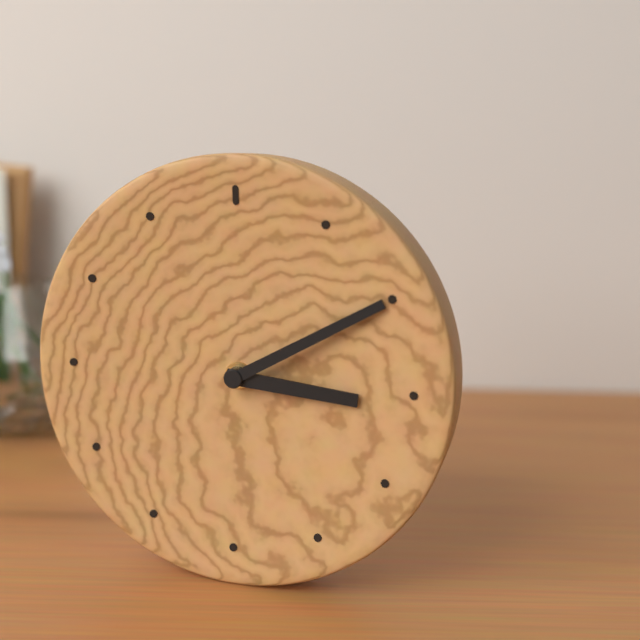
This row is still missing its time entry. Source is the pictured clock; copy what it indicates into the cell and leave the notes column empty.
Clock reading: 3:10
